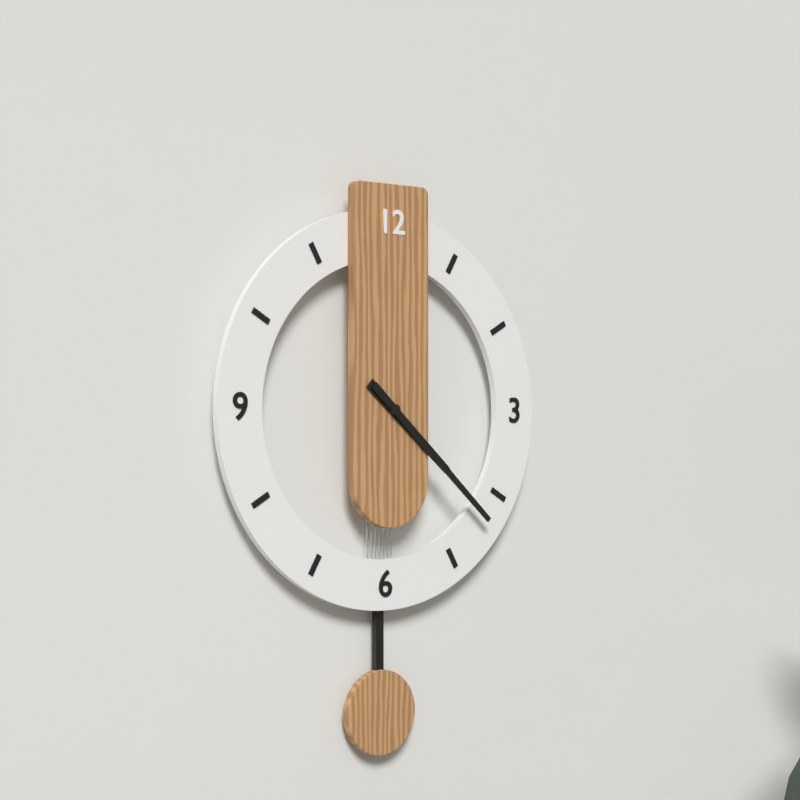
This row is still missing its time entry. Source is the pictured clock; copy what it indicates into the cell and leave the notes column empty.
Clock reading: 4:22
